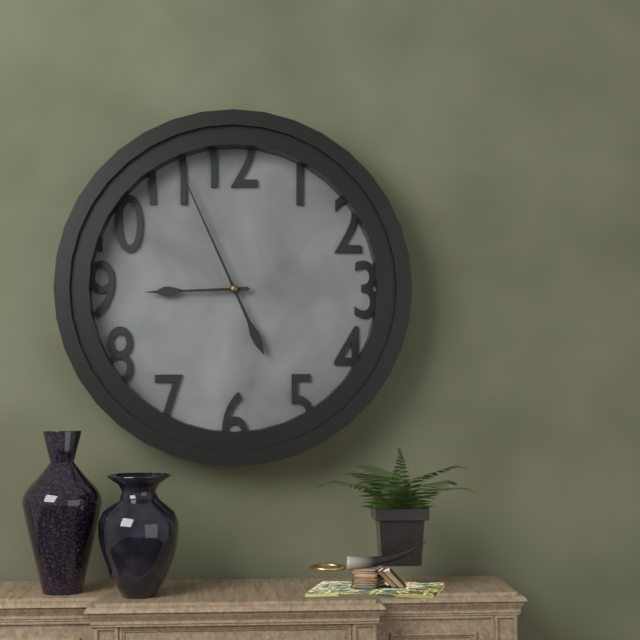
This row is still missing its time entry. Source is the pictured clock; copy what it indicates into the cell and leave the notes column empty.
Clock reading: 8:56
